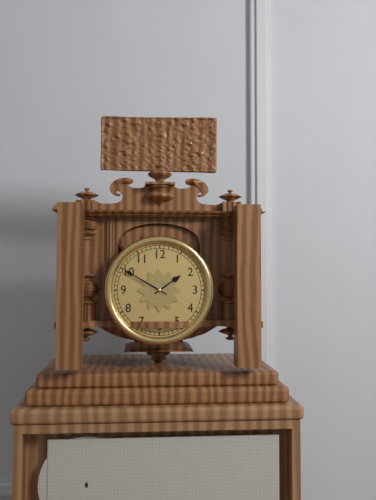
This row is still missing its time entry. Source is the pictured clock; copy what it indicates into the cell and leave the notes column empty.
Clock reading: 1:50
